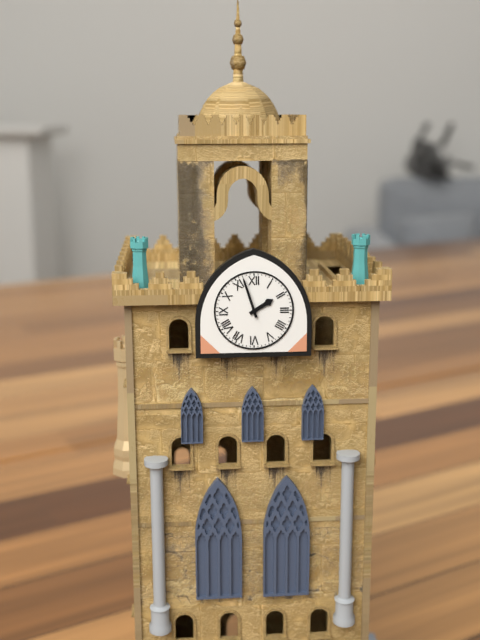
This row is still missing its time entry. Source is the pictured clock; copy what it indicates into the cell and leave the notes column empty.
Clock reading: 1:57
